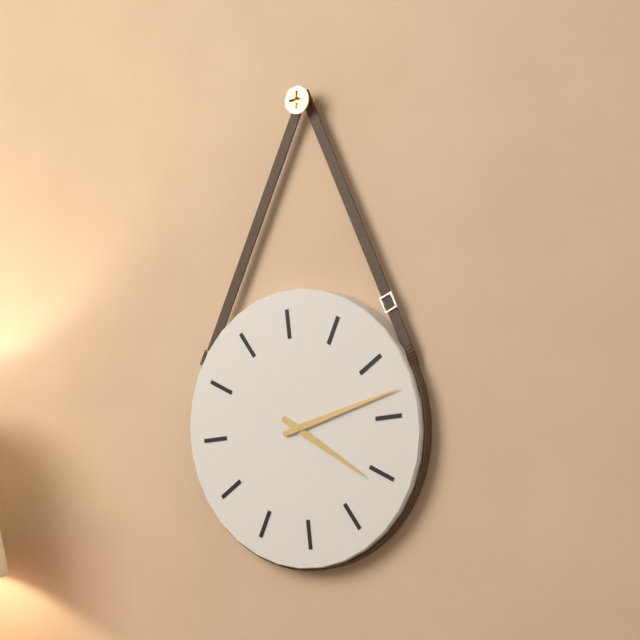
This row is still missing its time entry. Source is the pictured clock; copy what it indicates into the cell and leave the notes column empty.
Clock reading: 4:13
